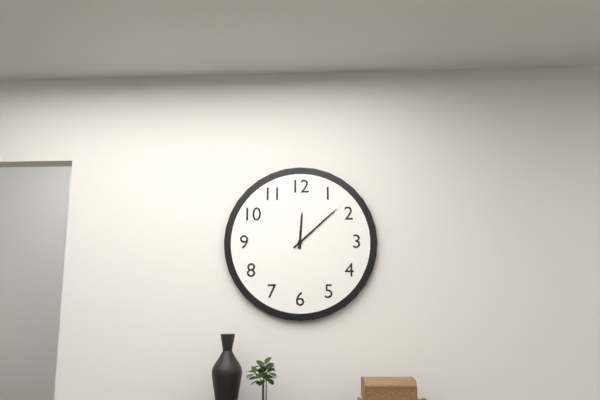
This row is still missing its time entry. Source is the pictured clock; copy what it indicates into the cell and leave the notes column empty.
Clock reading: 12:08
